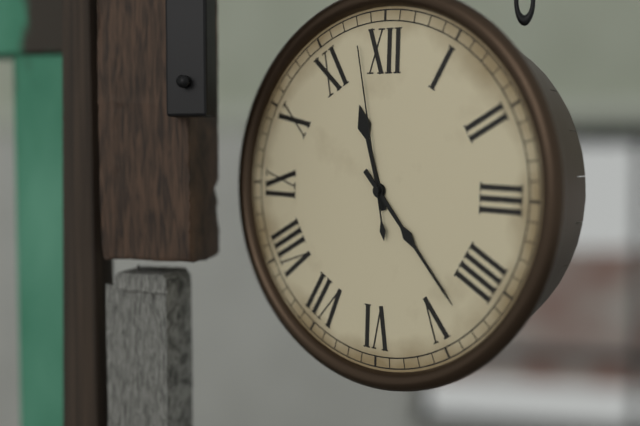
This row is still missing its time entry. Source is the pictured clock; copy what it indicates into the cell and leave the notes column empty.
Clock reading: 11:23:58
